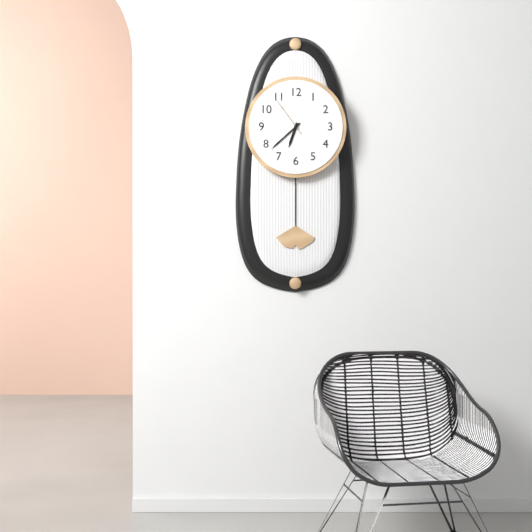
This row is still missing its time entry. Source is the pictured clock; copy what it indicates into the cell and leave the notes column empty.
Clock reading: 6:38
